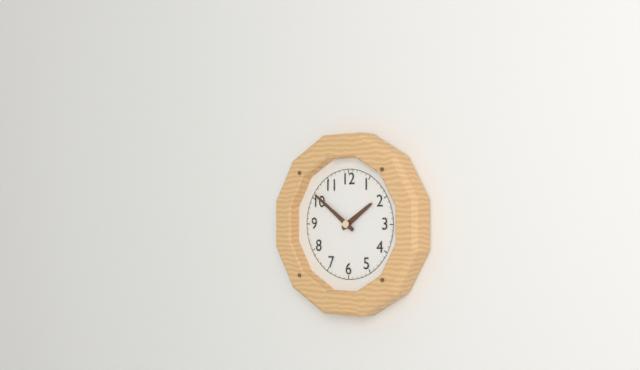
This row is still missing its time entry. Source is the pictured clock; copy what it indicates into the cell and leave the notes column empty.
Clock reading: 1:51
